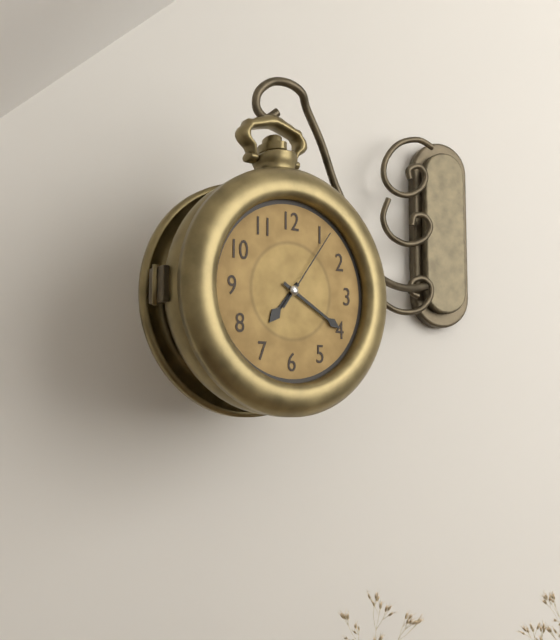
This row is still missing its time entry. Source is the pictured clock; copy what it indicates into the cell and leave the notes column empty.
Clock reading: 7:20:06
